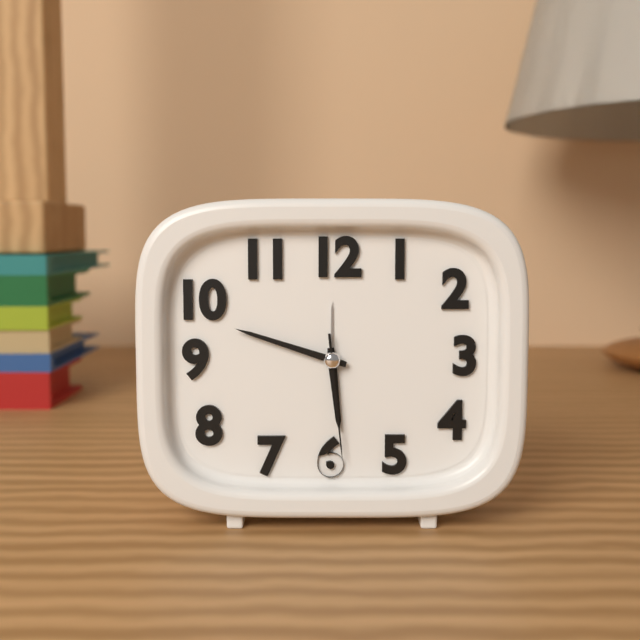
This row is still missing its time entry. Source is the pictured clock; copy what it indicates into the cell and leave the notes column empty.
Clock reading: 5:48:29
